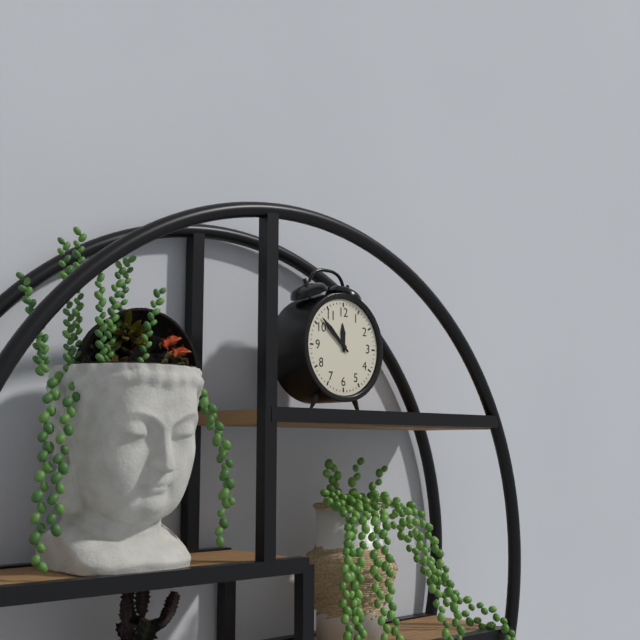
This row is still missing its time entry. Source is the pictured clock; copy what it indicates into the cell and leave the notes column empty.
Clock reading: 11:52
